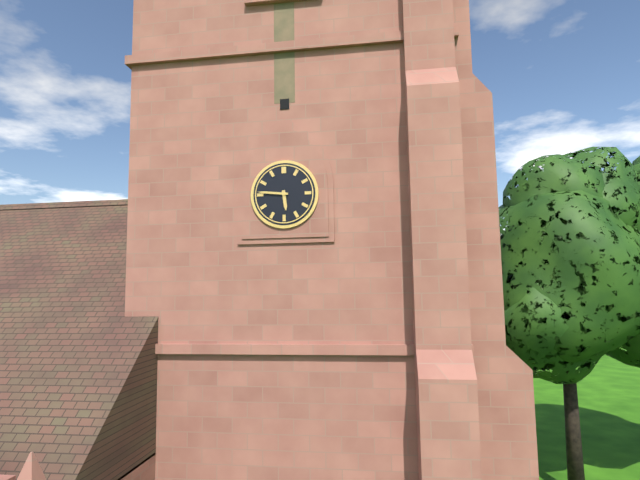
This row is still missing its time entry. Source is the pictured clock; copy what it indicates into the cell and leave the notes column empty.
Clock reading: 5:46
